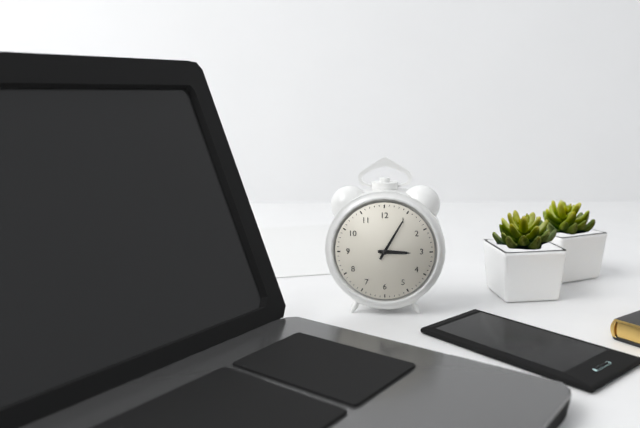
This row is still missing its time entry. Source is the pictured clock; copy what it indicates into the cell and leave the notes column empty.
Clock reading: 3:05
